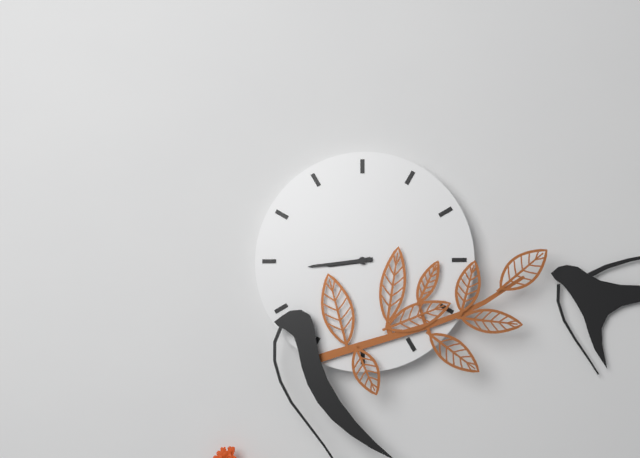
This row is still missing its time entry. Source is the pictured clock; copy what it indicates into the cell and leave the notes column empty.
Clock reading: 8:44
